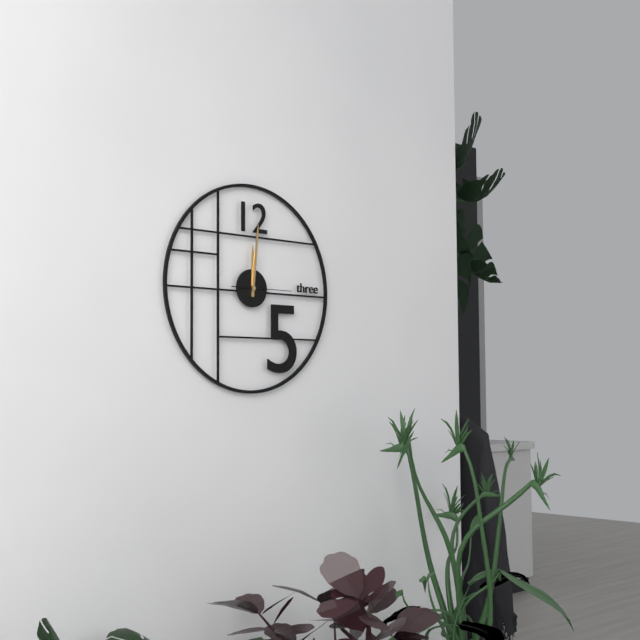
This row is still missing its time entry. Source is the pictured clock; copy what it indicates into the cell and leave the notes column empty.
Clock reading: 12:01:15
